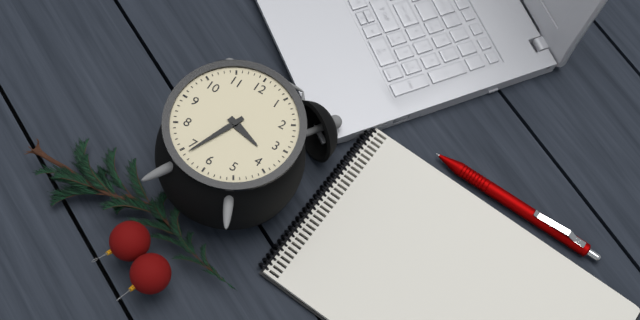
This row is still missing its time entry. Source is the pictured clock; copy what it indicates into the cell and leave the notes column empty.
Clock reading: 3:34
